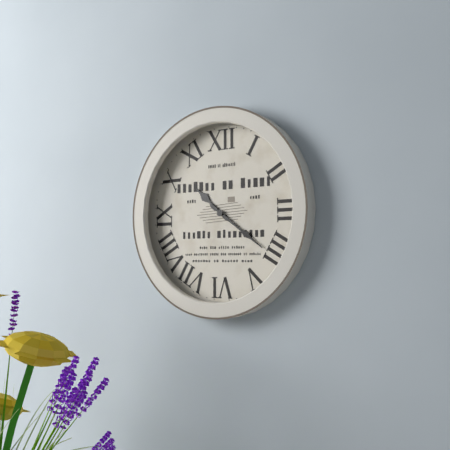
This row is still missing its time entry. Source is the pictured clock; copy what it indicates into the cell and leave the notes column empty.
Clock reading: 10:21
